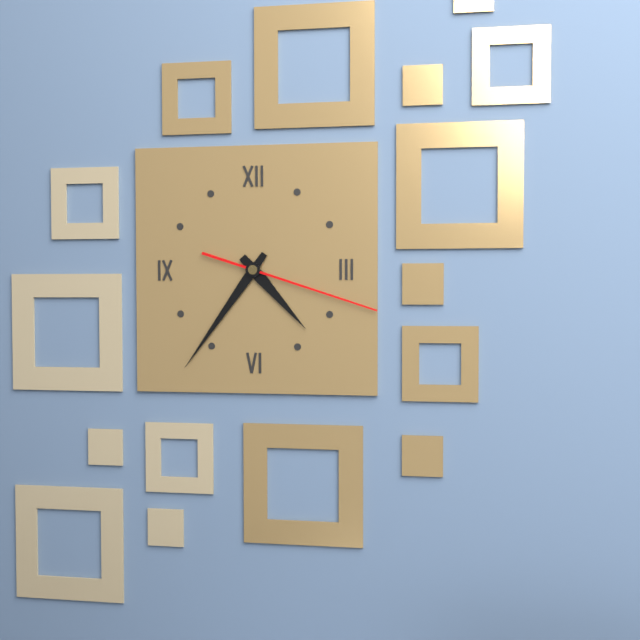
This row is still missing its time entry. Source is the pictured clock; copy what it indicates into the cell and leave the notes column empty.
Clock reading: 4:36:18
